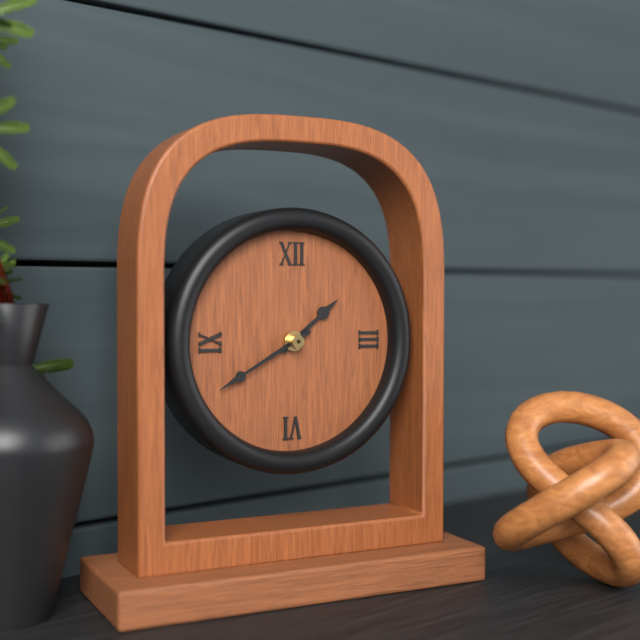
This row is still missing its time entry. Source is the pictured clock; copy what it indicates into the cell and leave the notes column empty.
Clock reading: 1:40
